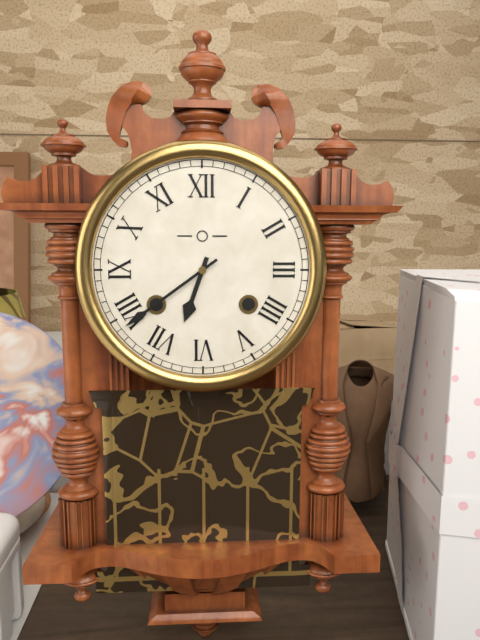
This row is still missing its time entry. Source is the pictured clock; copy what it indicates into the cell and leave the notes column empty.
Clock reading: 6:39
